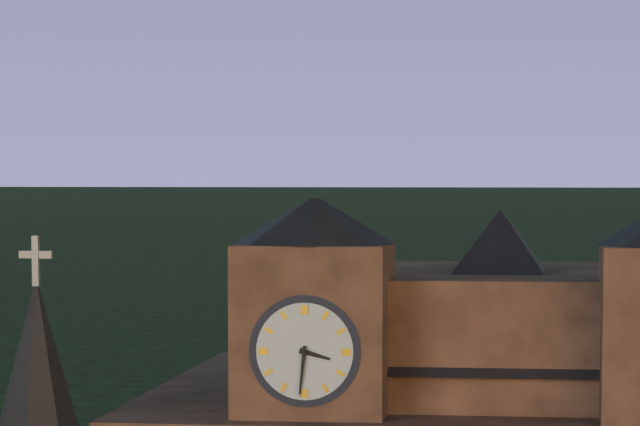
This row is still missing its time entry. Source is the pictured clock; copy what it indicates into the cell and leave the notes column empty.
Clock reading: 3:31
